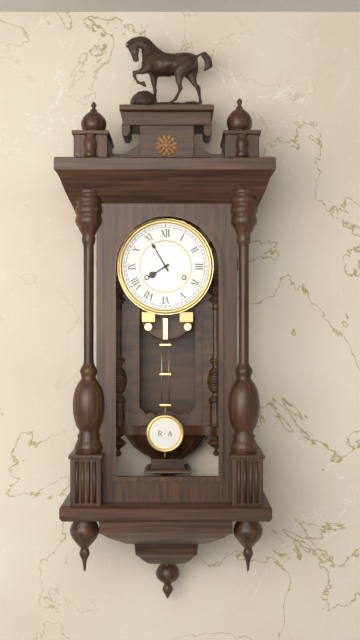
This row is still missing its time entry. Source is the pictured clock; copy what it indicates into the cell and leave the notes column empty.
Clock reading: 7:55
